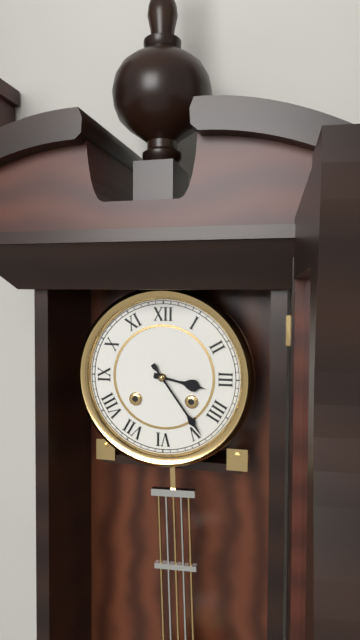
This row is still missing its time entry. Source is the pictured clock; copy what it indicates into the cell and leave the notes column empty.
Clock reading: 3:24
